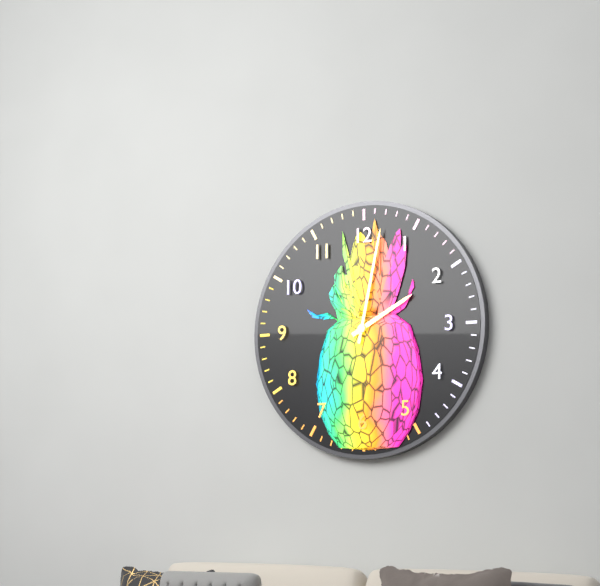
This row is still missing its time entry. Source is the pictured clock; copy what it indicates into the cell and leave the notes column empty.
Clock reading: 2:02
